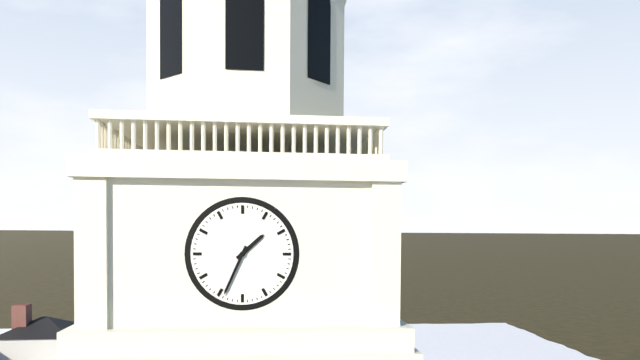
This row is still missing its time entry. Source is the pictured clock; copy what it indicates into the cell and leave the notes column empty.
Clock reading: 1:34
